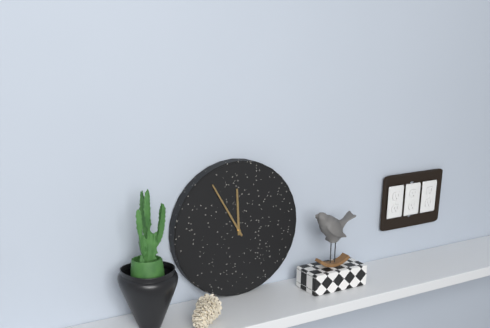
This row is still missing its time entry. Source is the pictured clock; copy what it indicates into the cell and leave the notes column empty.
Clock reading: 11:55
